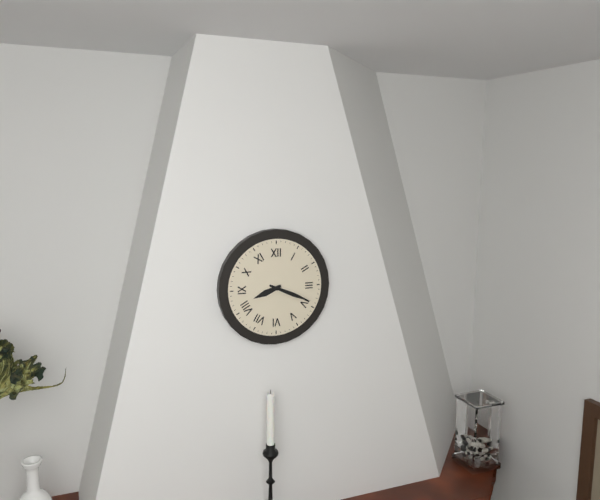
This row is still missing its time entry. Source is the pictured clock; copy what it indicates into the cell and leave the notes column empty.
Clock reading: 8:19
